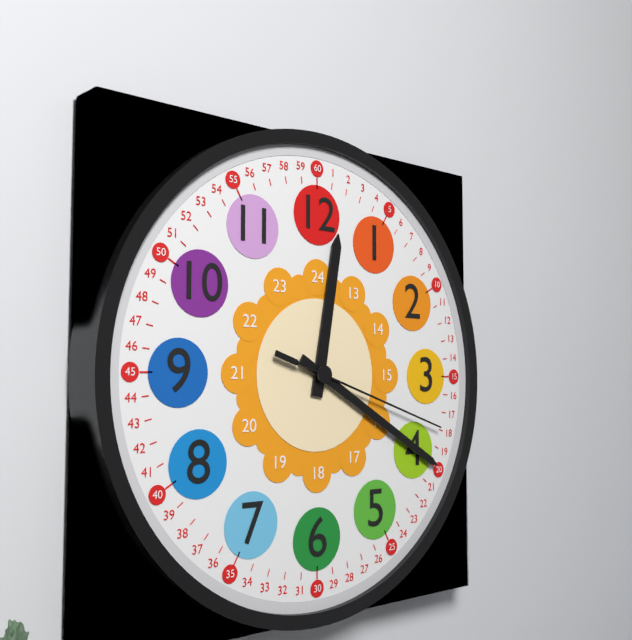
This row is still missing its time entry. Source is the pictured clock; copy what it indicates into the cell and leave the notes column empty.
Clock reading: 12:20:18
